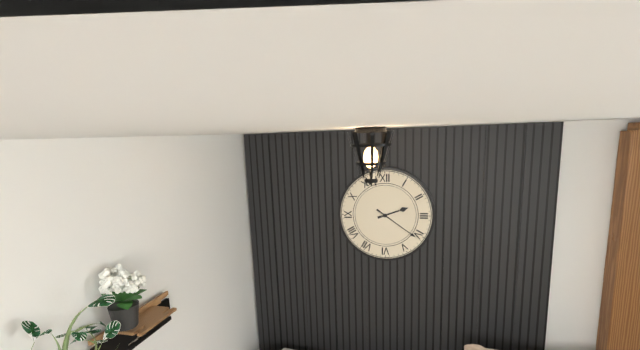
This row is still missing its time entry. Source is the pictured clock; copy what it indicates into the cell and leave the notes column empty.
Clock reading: 2:21
